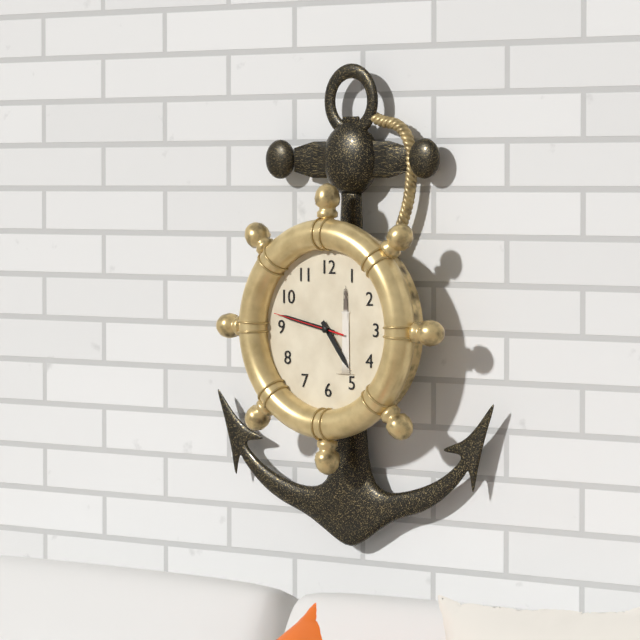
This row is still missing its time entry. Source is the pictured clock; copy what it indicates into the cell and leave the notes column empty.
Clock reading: 4:47:47
